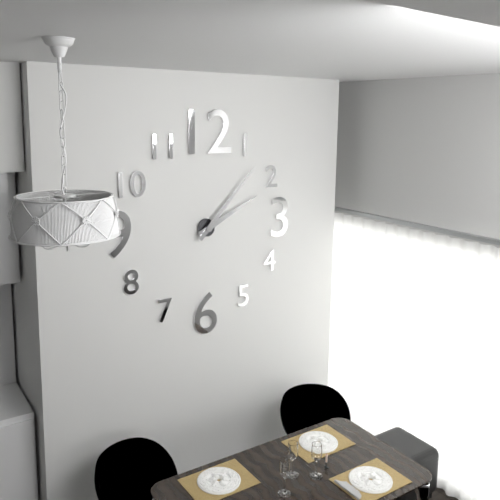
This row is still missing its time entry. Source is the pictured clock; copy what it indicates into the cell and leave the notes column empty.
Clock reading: 2:07
